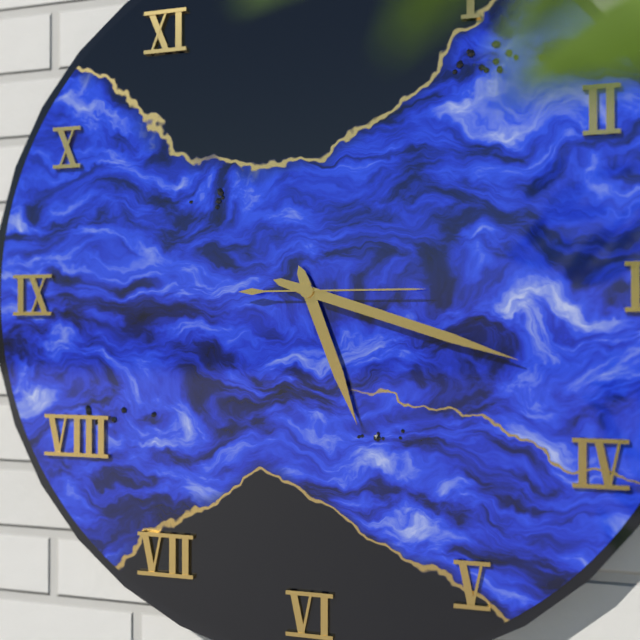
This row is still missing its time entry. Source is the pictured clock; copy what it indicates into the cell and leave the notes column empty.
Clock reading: 5:18:15
